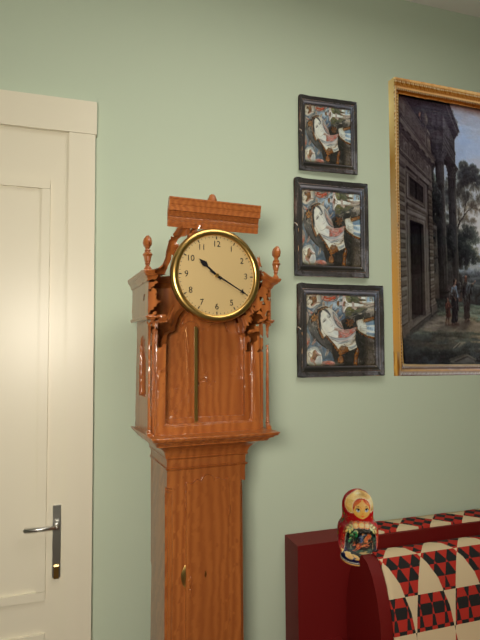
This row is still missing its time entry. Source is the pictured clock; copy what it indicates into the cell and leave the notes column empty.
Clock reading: 10:20
